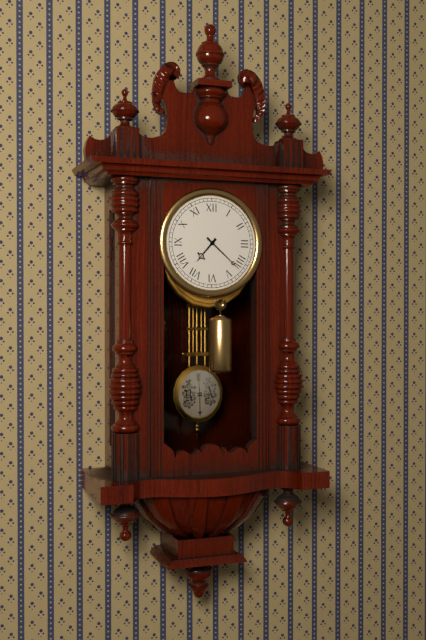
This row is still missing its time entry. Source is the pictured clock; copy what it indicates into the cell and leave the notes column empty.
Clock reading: 7:22
